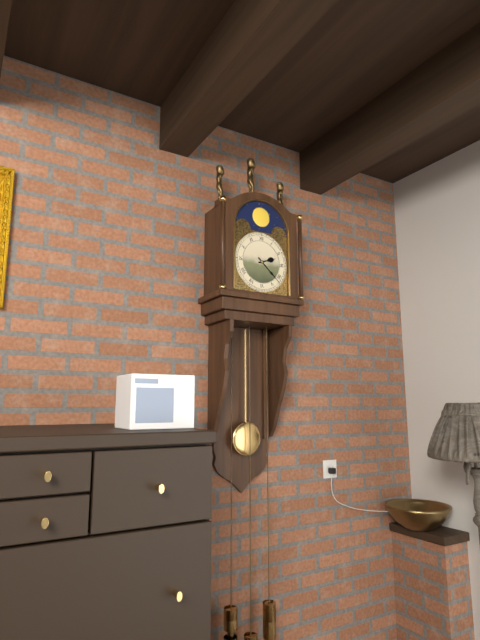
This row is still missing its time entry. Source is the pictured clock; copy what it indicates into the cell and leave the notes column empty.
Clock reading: 2:22
